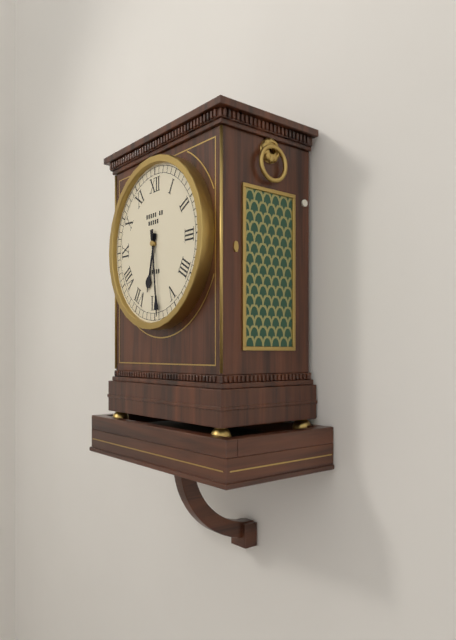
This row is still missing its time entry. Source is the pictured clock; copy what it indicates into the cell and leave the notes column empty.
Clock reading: 6:29
